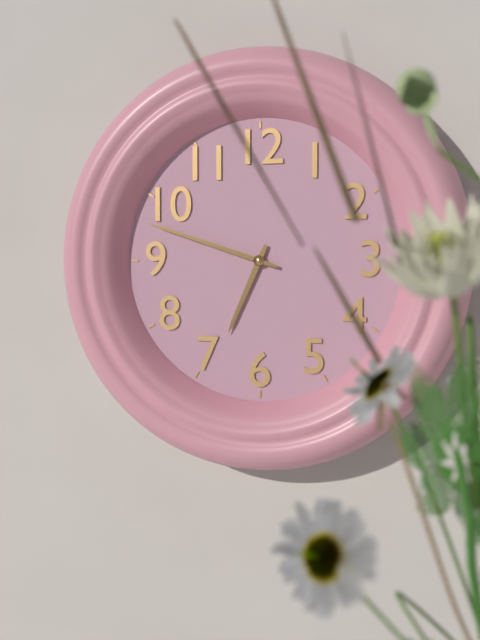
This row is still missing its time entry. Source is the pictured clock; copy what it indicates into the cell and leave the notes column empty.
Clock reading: 6:48
